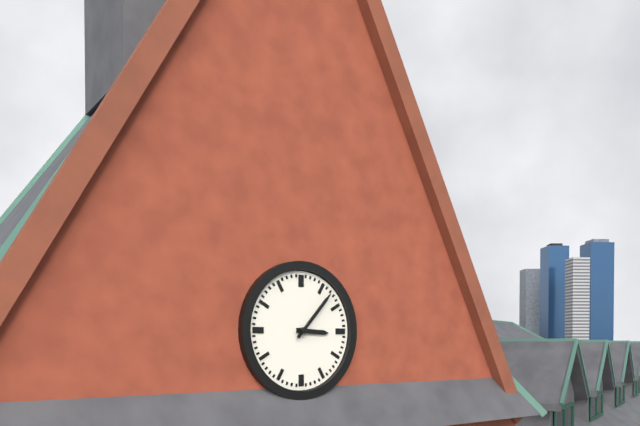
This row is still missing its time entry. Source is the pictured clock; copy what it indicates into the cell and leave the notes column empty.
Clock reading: 3:07
